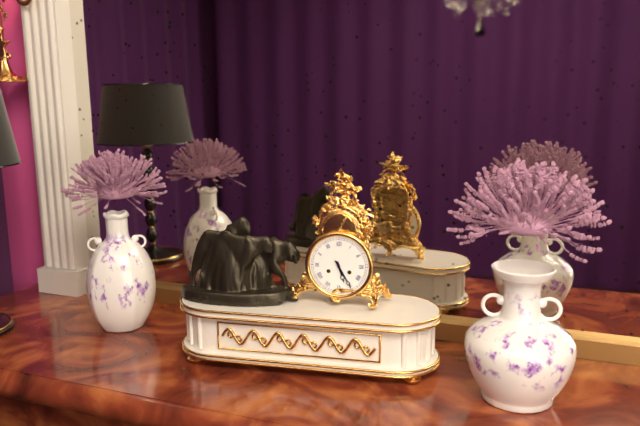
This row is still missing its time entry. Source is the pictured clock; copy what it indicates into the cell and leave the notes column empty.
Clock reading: 5:25
